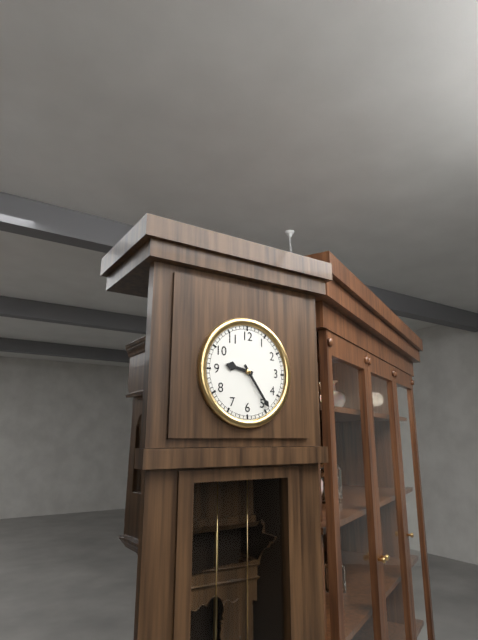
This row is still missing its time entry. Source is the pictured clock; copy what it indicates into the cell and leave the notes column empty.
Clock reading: 9:24
